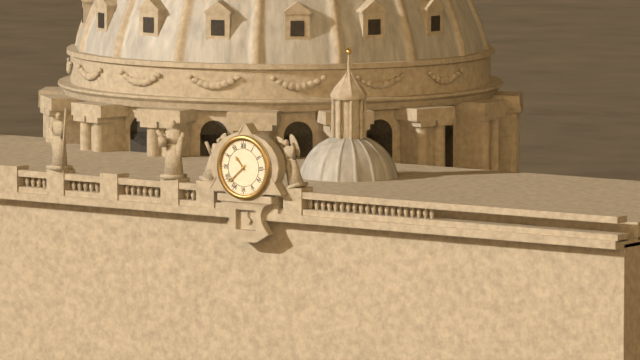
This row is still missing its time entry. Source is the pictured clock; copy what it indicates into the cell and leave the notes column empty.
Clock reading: 10:38
